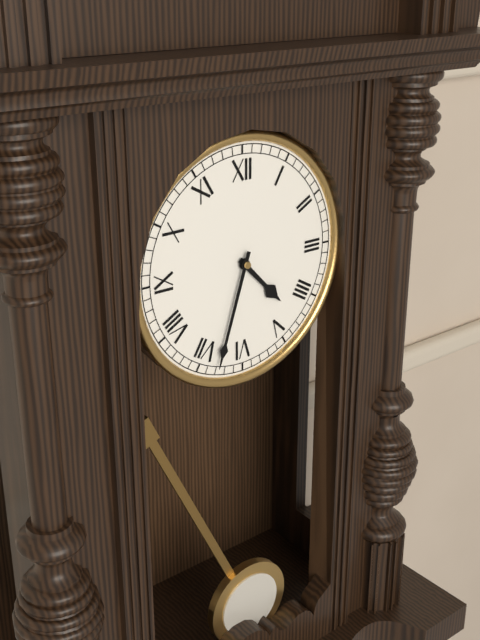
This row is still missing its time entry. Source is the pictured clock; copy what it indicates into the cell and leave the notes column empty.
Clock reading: 4:33
